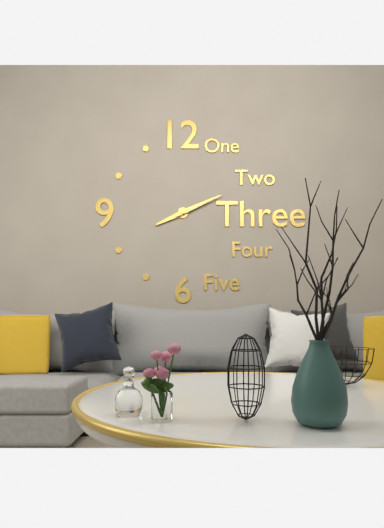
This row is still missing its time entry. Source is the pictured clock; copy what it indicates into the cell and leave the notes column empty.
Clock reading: 8:11
